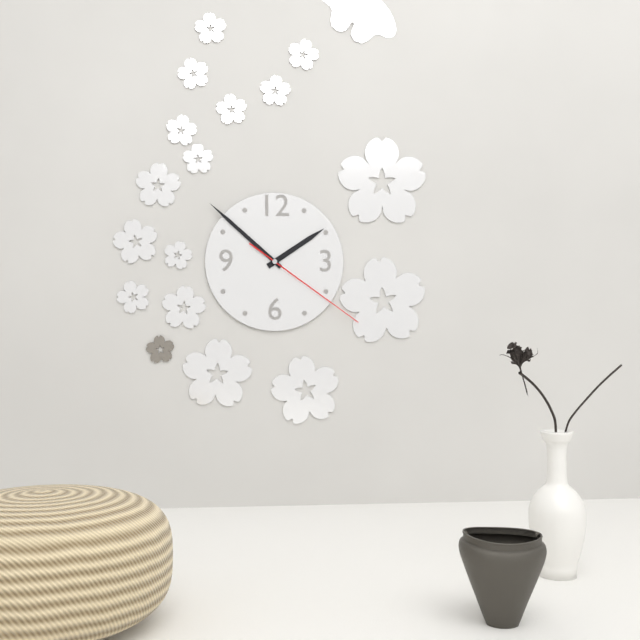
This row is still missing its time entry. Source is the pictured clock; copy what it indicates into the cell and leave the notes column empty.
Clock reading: 1:52:21
